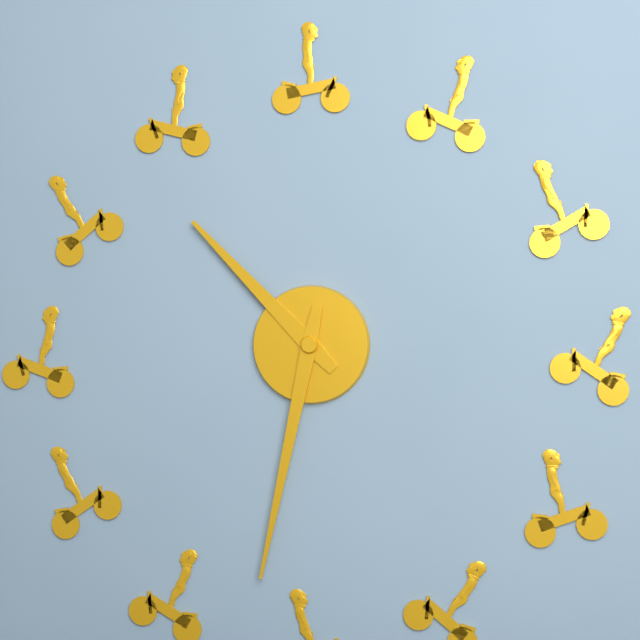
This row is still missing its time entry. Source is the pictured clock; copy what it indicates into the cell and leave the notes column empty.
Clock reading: 10:32
